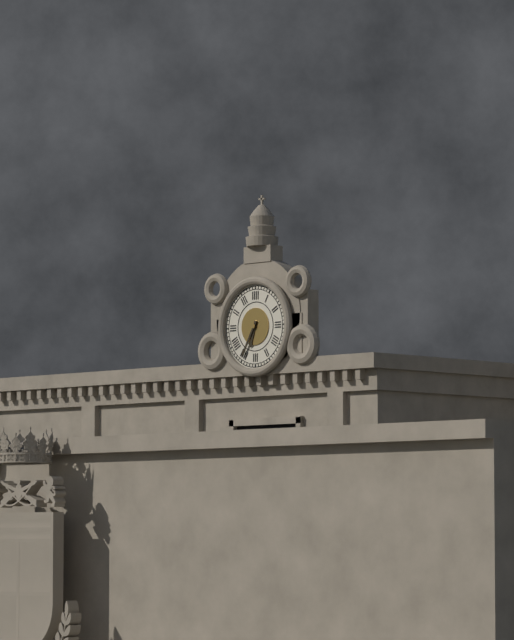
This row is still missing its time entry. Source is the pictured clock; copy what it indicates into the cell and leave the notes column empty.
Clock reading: 6:35
